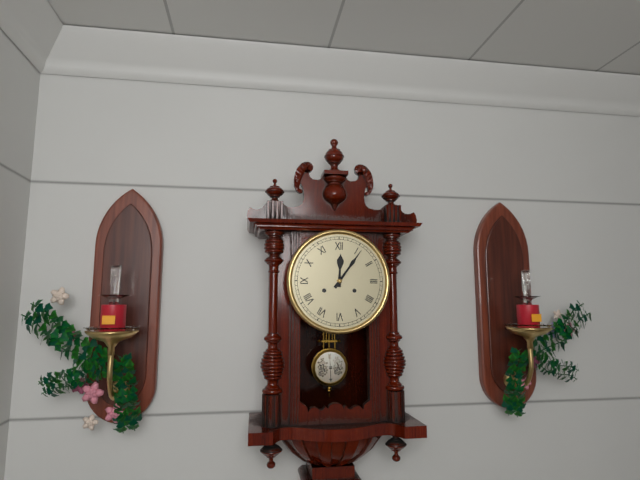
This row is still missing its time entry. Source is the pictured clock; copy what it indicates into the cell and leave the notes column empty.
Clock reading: 12:06
